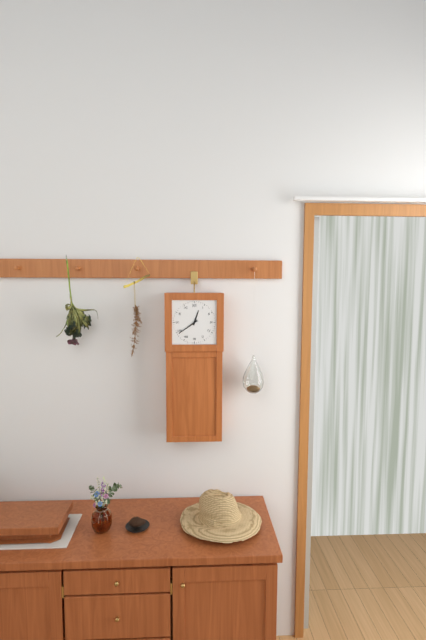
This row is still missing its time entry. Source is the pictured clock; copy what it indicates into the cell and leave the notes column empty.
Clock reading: 12:39
